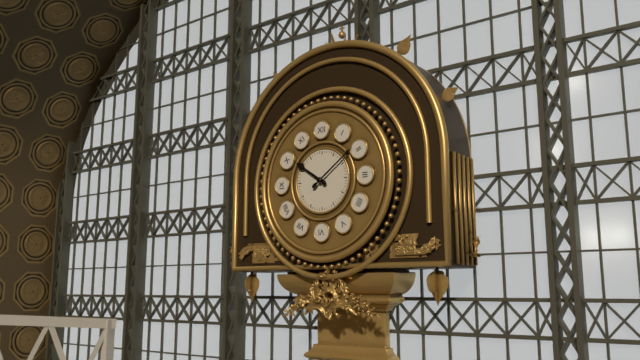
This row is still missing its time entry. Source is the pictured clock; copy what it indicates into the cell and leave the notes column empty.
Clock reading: 10:09
